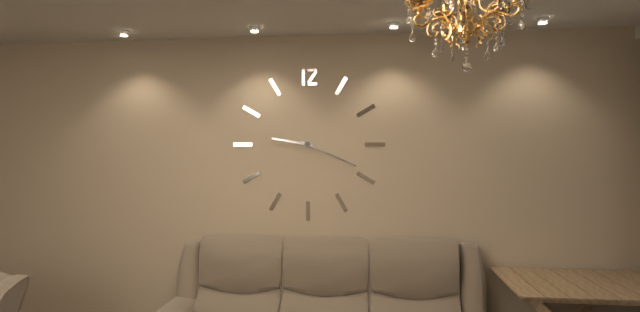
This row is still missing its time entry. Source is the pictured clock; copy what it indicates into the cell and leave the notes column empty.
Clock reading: 9:19
